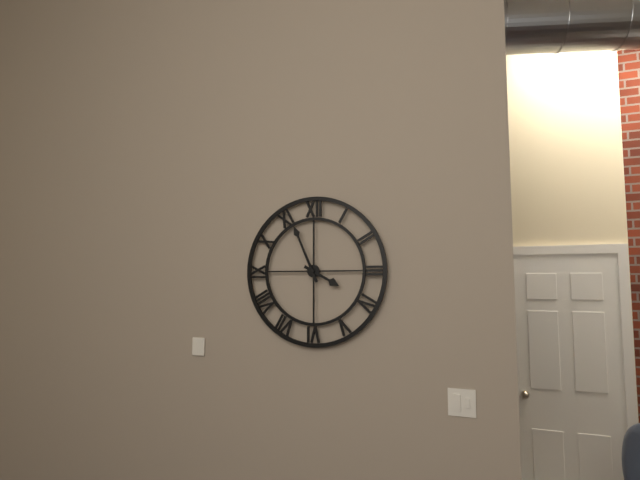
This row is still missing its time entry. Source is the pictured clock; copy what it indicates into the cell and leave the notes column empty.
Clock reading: 3:56
